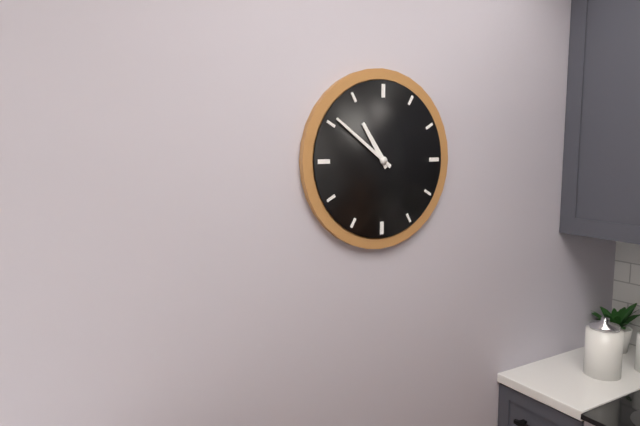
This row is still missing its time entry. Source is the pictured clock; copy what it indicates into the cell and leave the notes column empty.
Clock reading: 10:51
